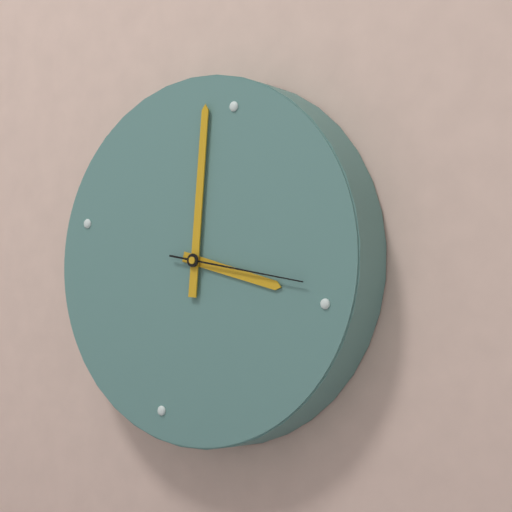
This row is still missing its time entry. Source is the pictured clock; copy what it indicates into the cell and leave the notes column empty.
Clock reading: 2:58:14
